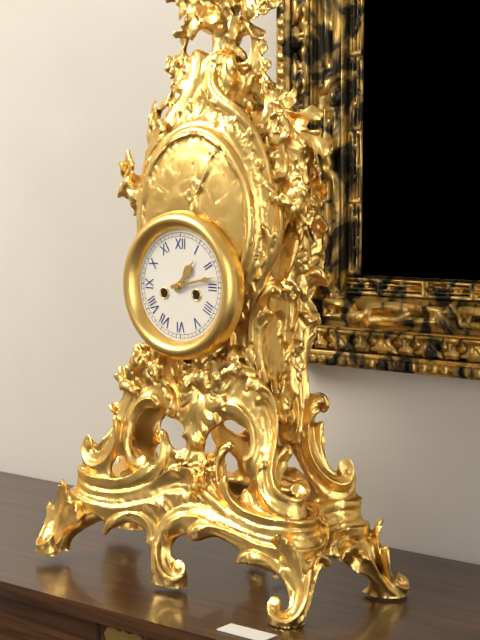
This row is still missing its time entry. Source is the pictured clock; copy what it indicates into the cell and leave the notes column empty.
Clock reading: 1:13
